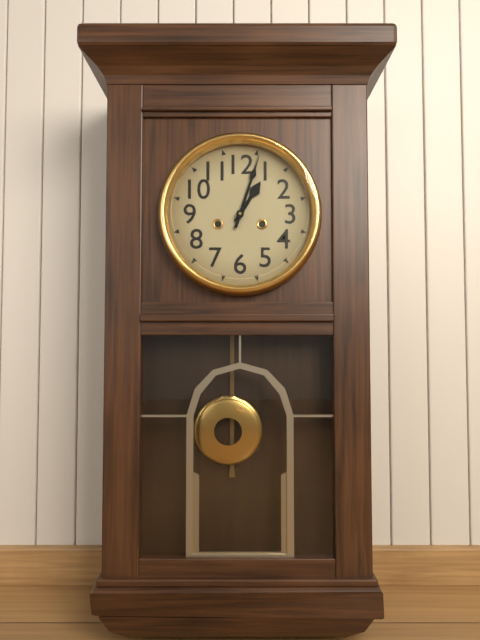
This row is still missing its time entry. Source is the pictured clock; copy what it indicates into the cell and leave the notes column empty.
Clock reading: 1:03
